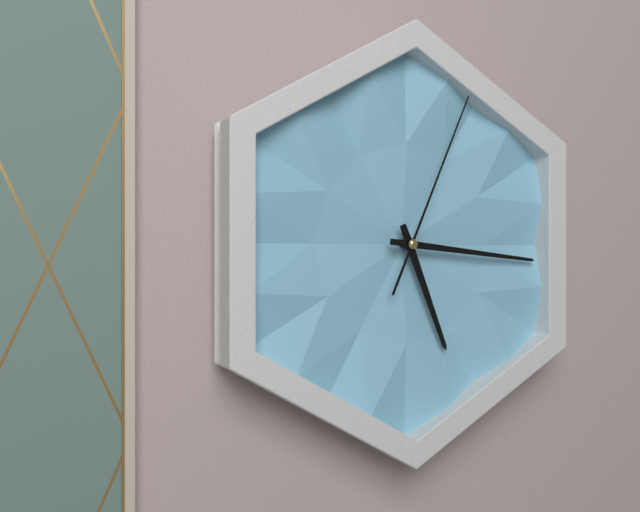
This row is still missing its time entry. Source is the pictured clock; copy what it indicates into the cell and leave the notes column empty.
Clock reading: 5:16:04
